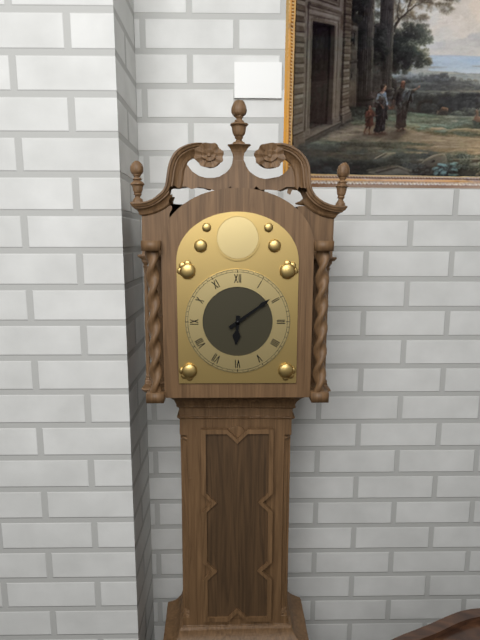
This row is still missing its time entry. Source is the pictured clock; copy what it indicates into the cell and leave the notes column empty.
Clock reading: 6:09
